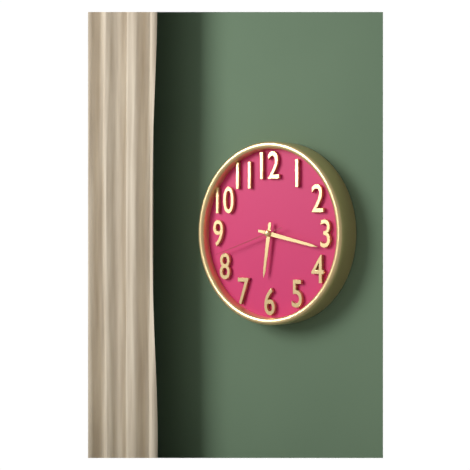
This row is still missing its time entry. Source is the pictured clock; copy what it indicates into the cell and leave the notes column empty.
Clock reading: 6:17:42
